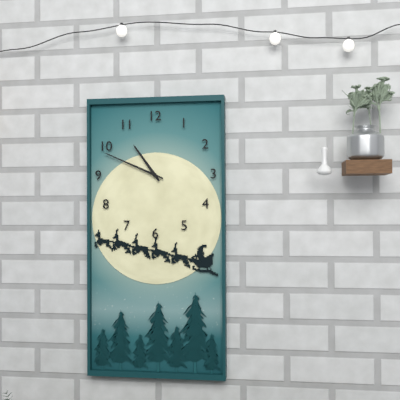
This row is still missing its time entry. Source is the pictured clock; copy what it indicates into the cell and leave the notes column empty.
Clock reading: 10:49
